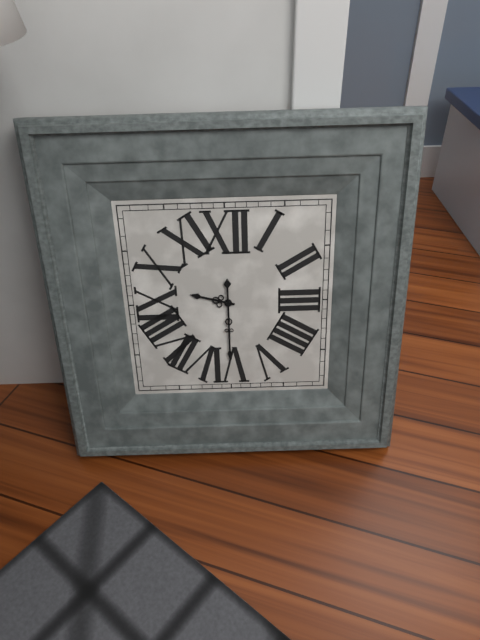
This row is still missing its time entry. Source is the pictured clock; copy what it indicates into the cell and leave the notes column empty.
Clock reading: 9:30
